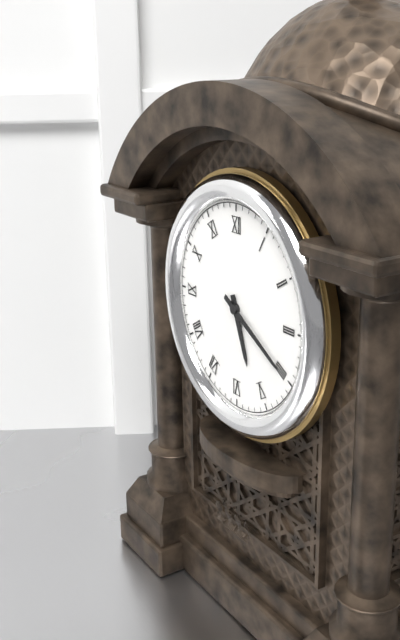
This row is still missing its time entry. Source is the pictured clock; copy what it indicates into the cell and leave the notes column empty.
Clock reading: 5:20
